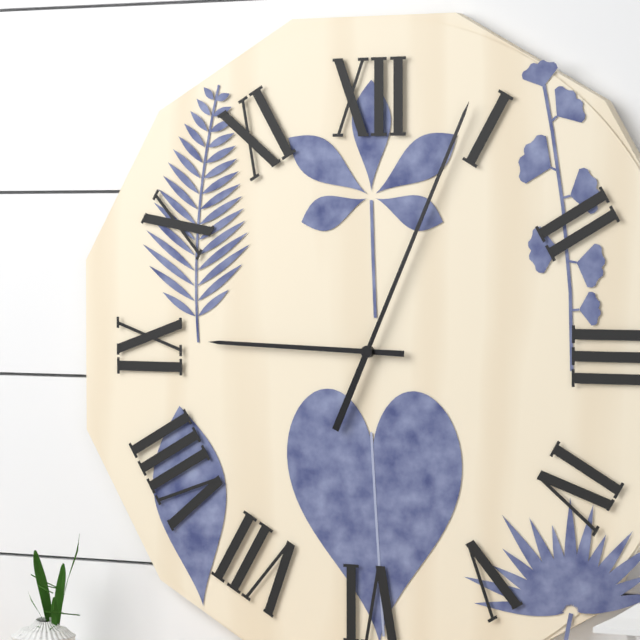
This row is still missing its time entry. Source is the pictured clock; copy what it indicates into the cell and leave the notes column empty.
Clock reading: 9:04
